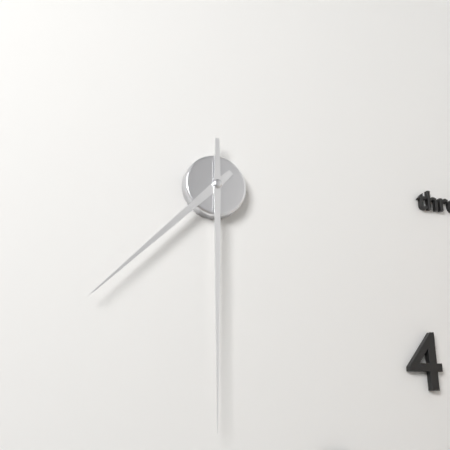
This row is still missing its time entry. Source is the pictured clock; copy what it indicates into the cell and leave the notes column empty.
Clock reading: 7:30
